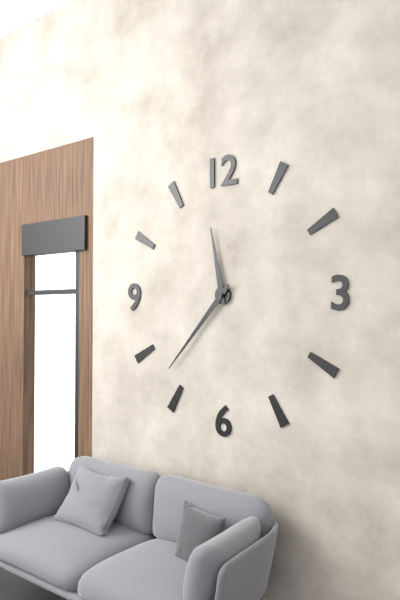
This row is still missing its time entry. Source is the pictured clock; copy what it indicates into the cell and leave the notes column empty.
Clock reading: 11:37
